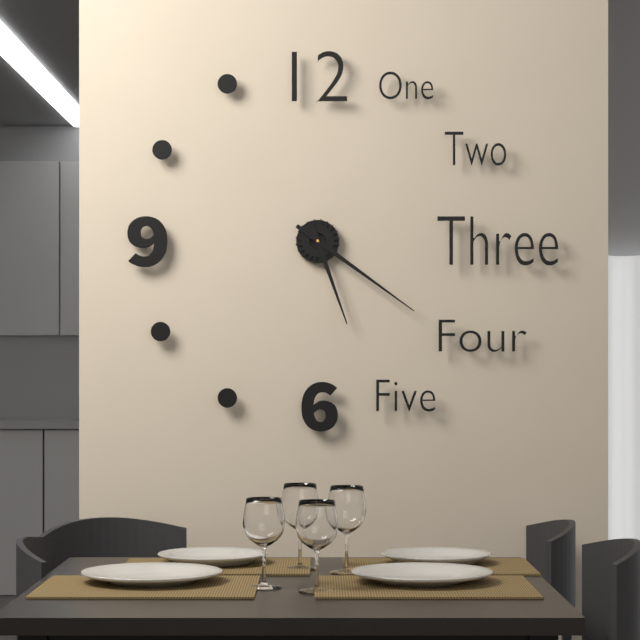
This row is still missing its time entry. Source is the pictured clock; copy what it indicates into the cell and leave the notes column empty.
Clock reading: 5:21
